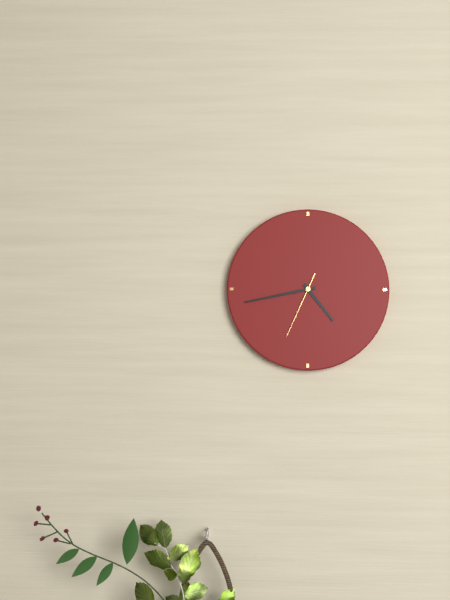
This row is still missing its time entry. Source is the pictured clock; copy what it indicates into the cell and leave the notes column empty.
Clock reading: 4:43:34
